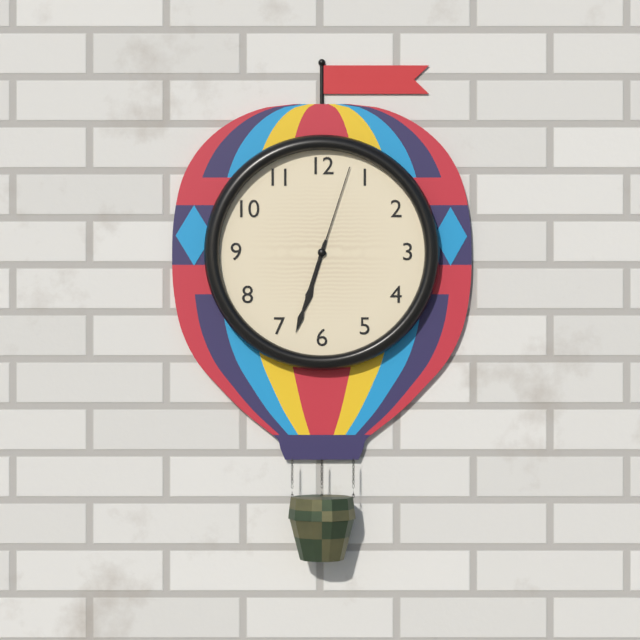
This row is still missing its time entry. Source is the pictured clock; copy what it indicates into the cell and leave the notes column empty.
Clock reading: 6:33:03
